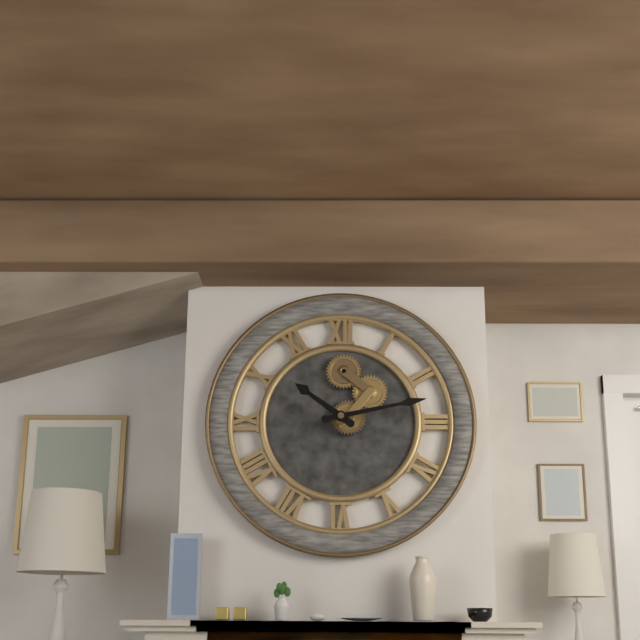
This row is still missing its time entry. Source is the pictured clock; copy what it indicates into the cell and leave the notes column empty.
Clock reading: 10:13
